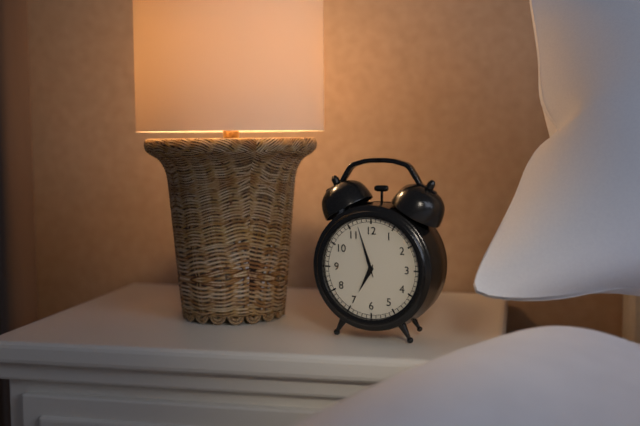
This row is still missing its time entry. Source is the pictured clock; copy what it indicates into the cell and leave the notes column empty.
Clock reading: 6:57
